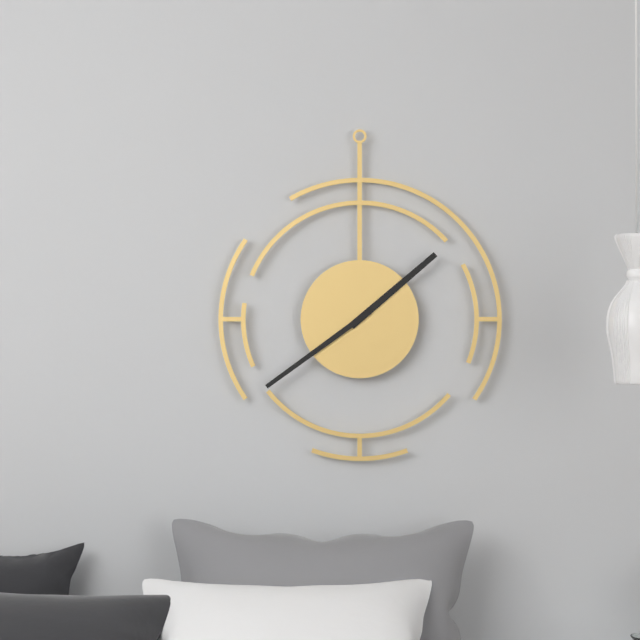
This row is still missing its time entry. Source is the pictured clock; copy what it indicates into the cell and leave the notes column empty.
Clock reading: 1:39
